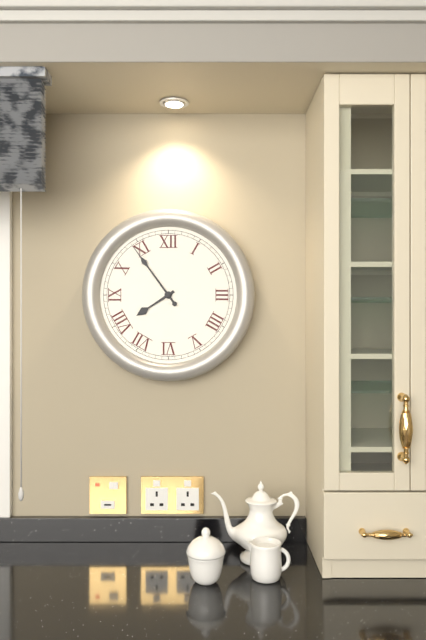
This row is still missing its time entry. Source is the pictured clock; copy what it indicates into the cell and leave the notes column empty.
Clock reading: 7:54
